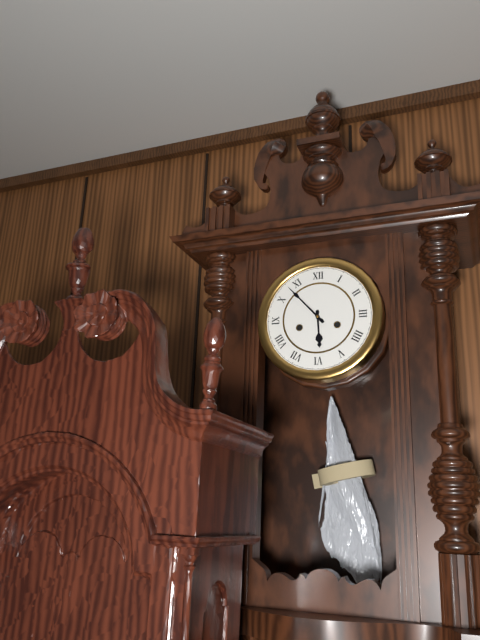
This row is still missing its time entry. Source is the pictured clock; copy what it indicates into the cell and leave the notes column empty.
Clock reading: 5:53
